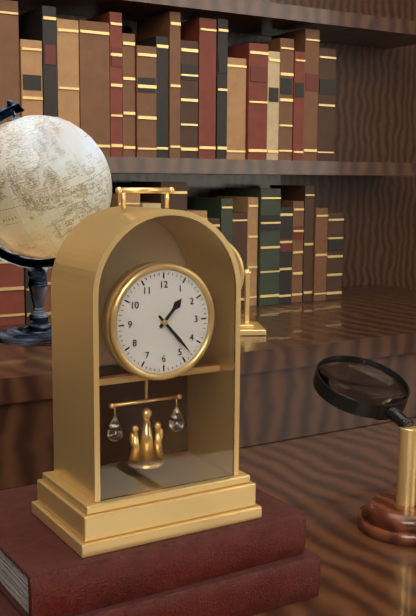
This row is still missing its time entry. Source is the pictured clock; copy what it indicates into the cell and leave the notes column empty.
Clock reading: 1:23
